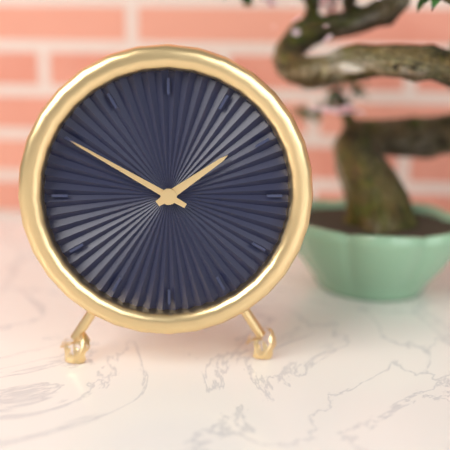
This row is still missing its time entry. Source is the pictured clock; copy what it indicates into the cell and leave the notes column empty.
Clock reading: 1:50
